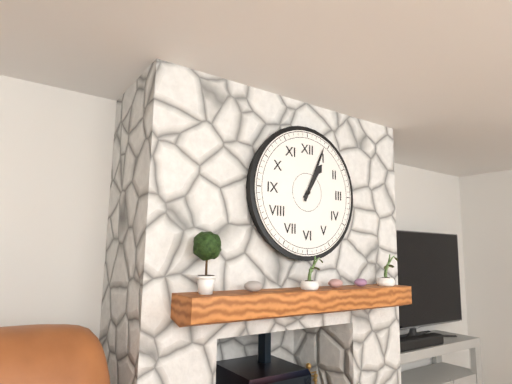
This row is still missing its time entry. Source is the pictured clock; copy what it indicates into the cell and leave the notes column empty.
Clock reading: 1:04
